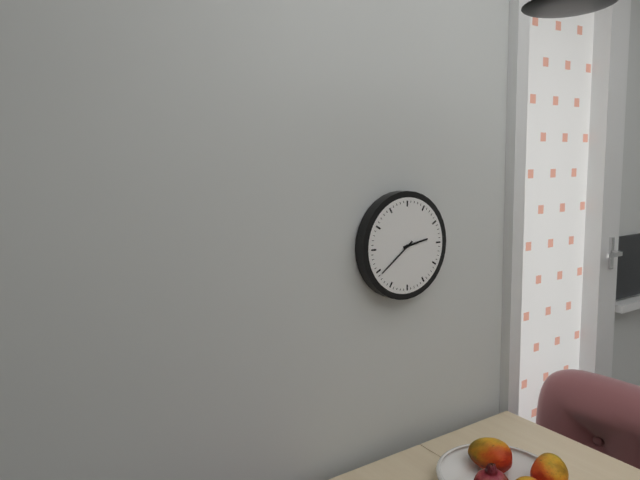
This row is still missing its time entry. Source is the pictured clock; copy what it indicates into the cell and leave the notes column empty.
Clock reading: 2:39
